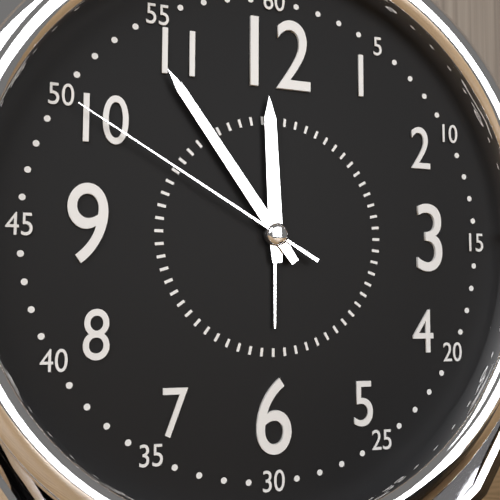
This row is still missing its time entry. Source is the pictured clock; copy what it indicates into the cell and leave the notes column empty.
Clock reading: 11:54:50
